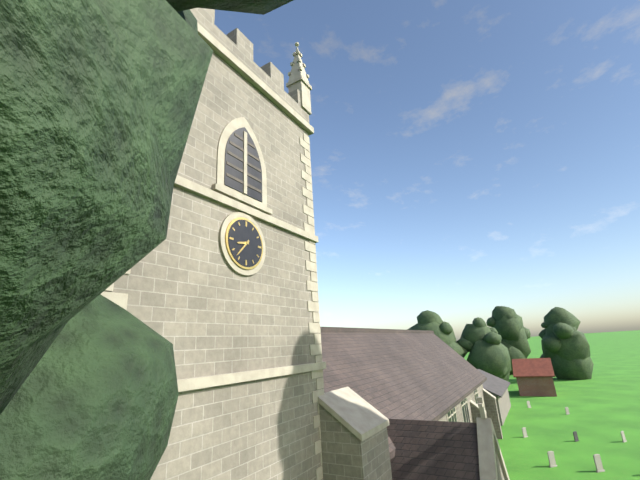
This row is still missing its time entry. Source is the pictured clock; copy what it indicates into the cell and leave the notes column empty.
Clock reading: 8:37
